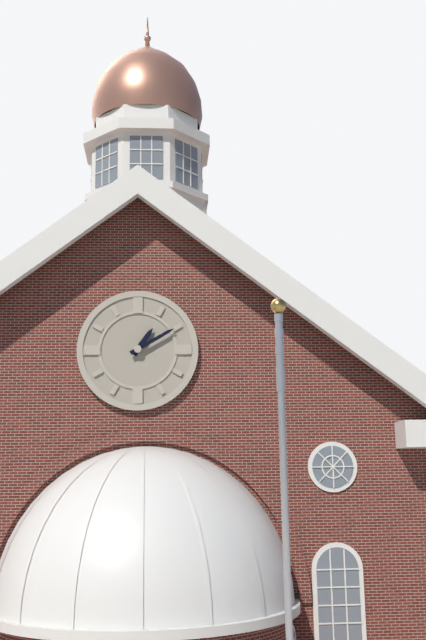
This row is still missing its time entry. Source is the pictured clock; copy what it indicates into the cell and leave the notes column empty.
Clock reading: 1:10
